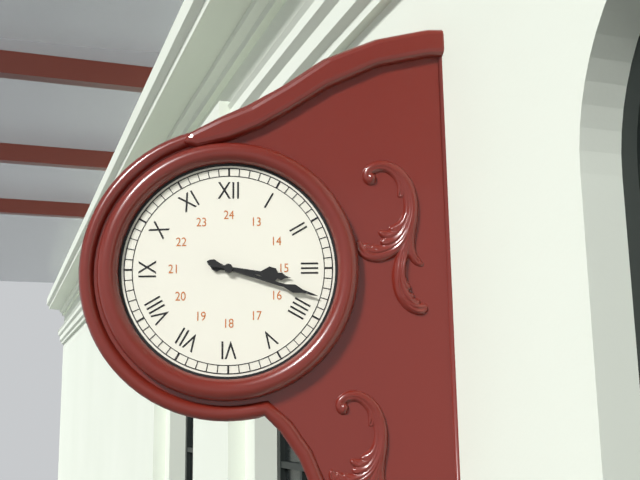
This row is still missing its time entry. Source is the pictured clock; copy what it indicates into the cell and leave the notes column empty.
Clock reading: 3:18
